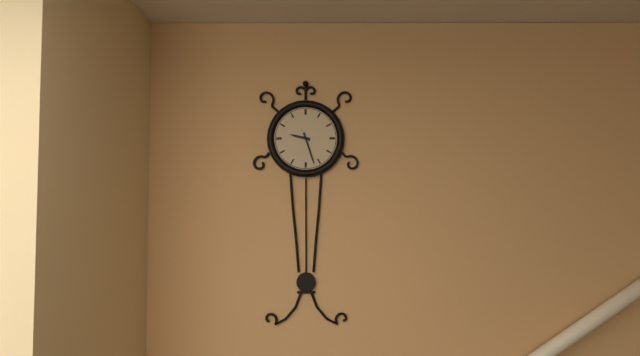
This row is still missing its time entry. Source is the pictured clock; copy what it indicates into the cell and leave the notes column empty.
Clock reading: 9:27
